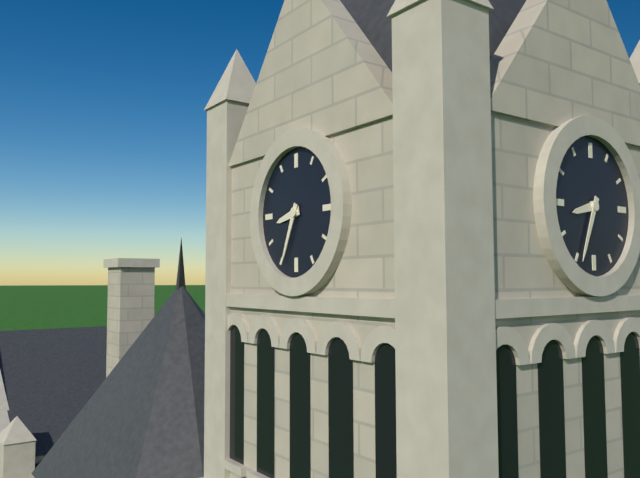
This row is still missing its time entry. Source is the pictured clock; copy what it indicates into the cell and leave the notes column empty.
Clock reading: 8:34
